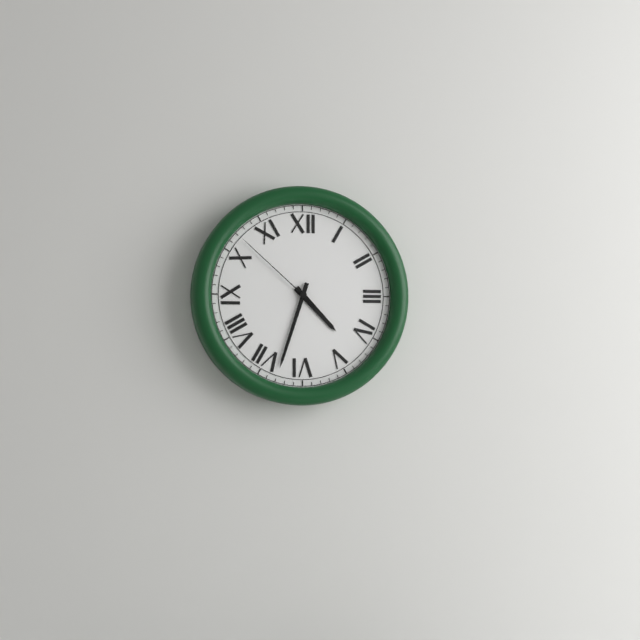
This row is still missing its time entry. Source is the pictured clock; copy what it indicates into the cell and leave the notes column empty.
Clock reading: 4:33:52
